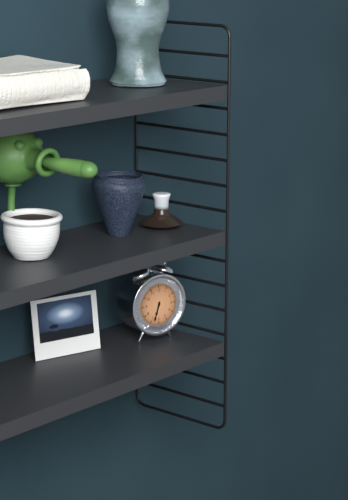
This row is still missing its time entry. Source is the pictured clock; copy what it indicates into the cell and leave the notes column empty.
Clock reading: 6:33
